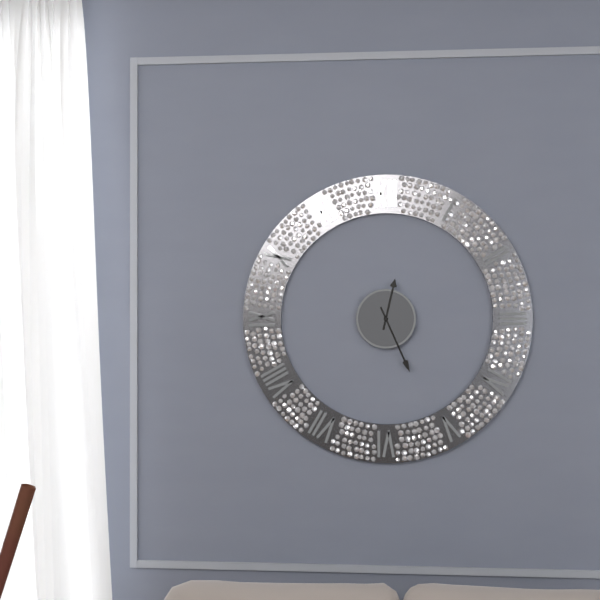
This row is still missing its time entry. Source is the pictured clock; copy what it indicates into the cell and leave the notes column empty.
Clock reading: 12:26
